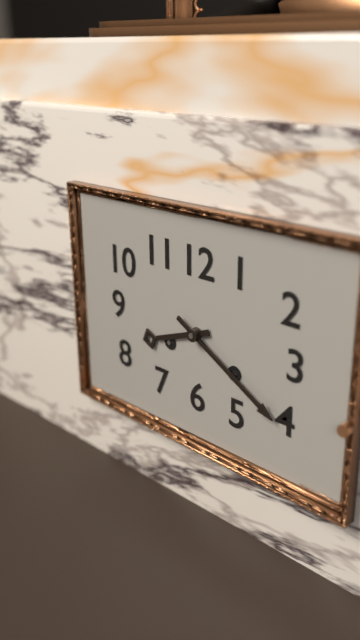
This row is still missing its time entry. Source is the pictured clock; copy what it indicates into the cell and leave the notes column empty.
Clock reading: 8:20
